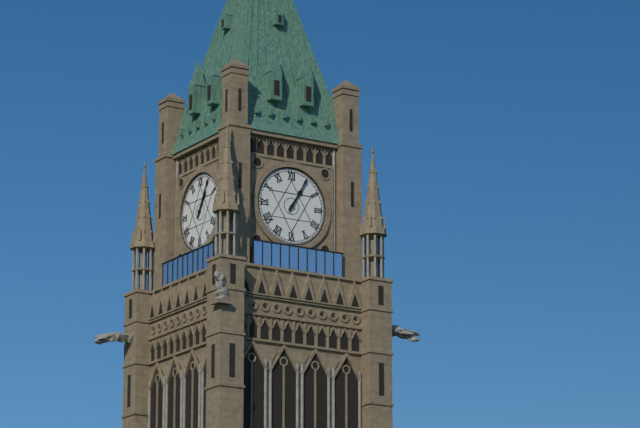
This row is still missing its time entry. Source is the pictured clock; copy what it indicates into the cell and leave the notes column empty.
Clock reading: 1:05
